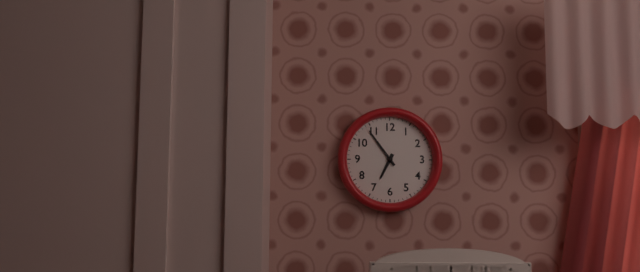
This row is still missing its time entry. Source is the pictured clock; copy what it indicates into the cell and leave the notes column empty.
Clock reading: 6:54
